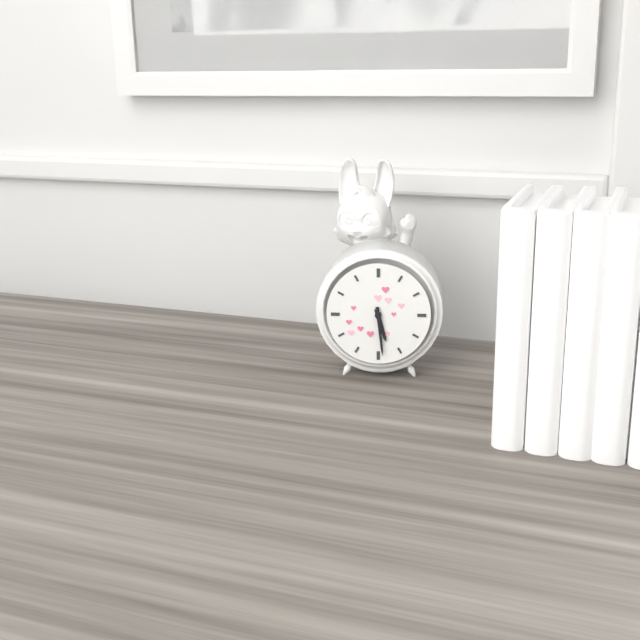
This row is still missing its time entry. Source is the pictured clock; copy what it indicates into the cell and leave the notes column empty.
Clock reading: 5:29
